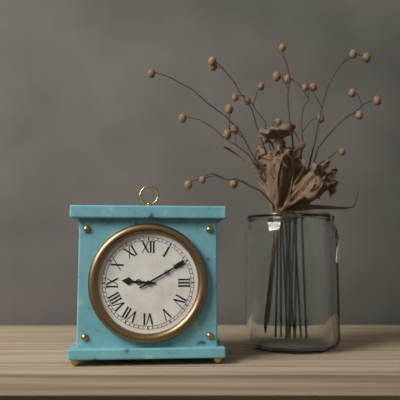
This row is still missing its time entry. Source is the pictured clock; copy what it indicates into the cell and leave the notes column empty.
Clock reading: 9:10
